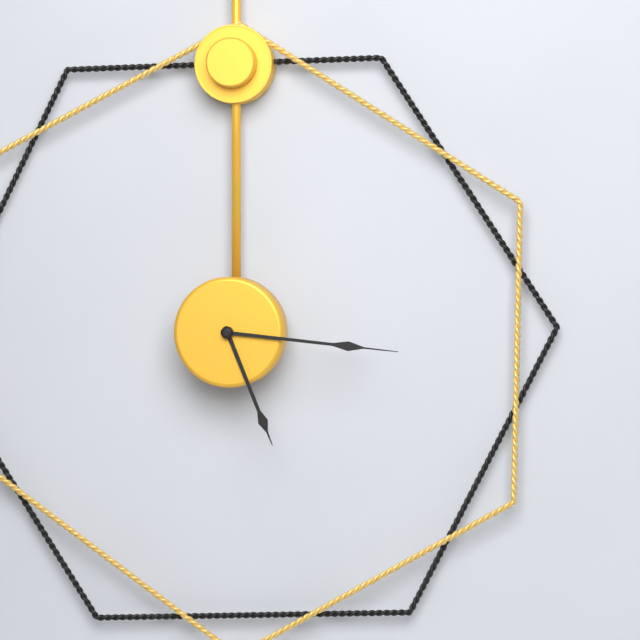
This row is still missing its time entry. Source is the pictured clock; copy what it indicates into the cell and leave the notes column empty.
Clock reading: 5:16
